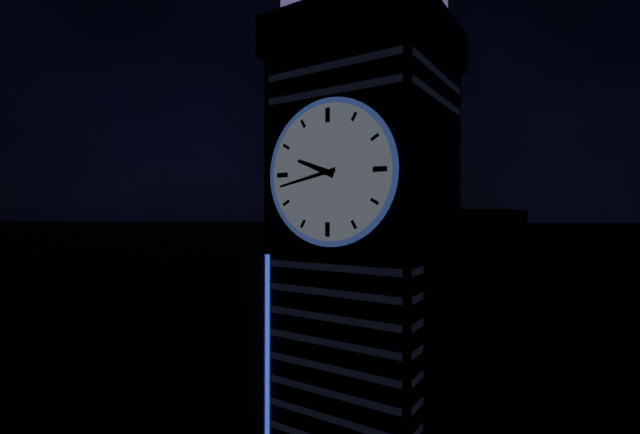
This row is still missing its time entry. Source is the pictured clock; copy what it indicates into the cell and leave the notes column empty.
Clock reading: 9:43
